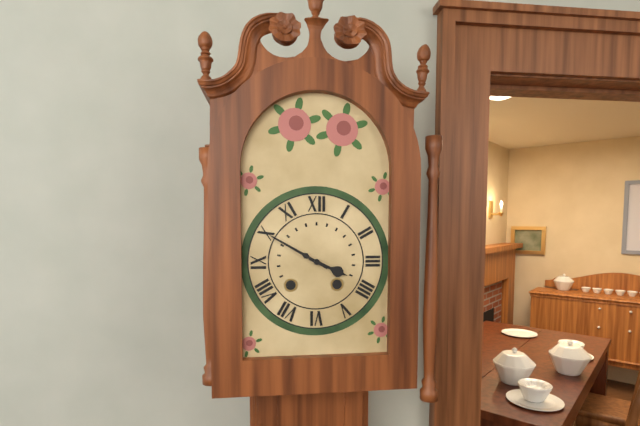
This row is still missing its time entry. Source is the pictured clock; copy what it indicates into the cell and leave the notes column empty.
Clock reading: 3:50
